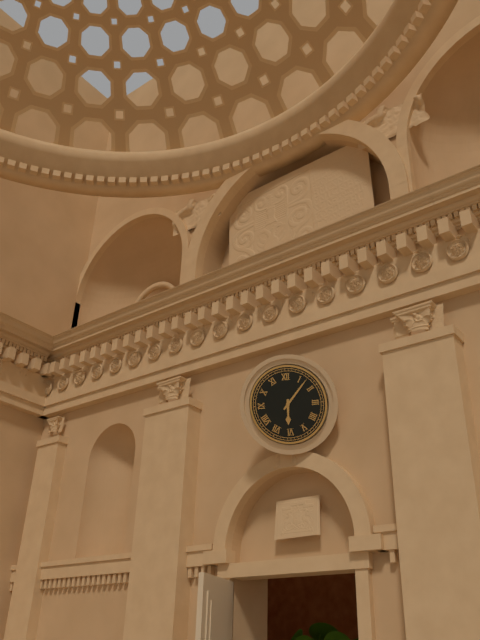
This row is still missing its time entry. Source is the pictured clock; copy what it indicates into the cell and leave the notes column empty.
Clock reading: 6:07
